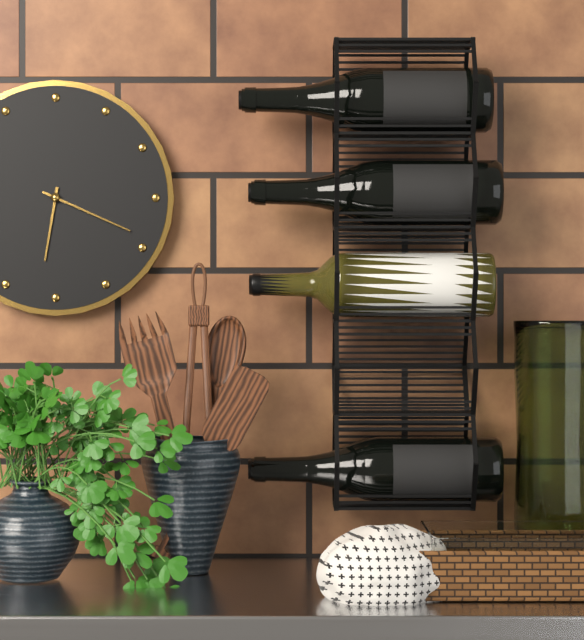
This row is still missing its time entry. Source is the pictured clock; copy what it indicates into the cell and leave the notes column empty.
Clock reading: 6:19
